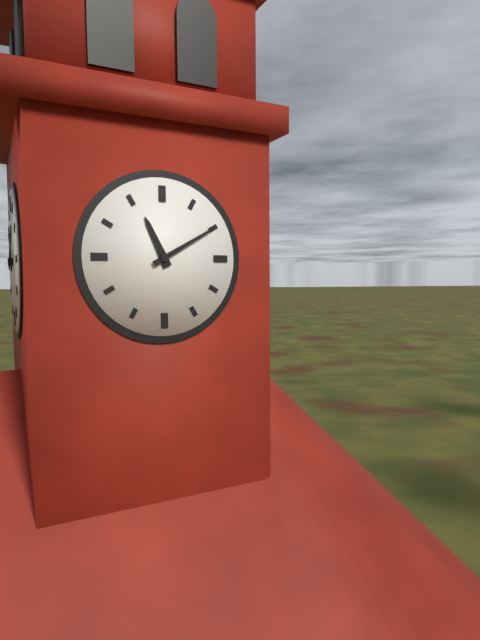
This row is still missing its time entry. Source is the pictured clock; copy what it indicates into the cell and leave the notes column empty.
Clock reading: 11:10
